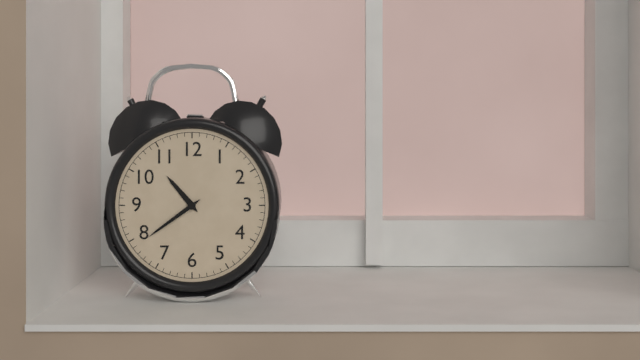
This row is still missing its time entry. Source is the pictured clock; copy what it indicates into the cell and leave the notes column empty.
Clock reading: 10:39
